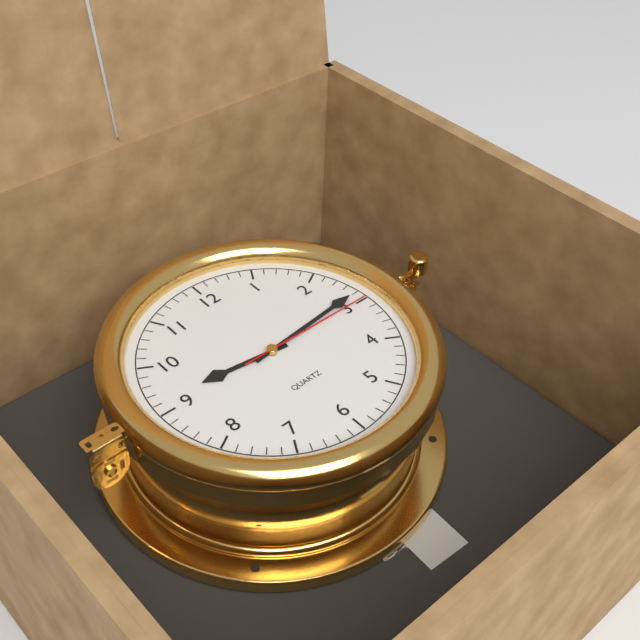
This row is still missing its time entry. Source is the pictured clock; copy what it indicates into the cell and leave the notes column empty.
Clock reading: 9:14:15
